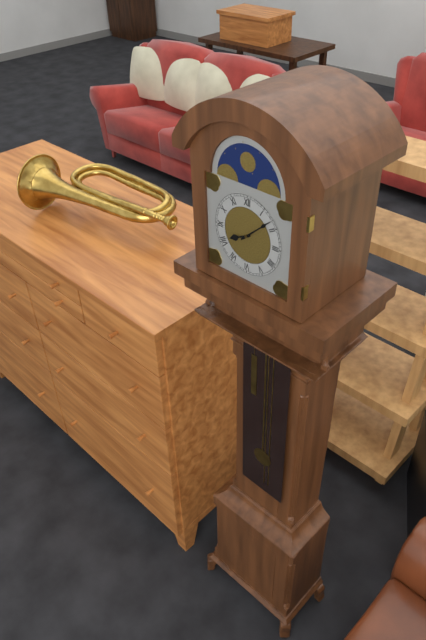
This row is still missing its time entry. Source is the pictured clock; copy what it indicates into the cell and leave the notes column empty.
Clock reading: 8:08
